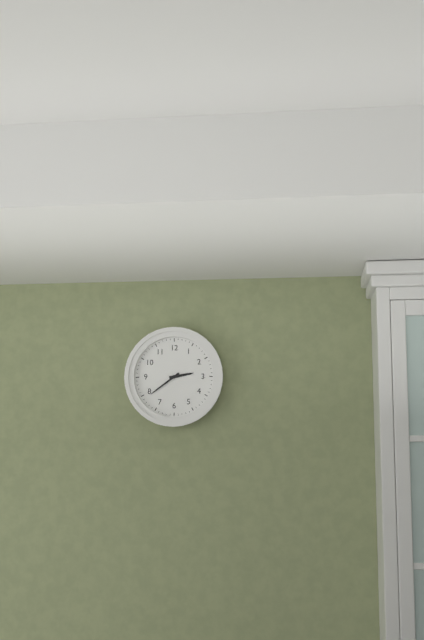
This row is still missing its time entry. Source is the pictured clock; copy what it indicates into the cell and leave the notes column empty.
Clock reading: 2:39
